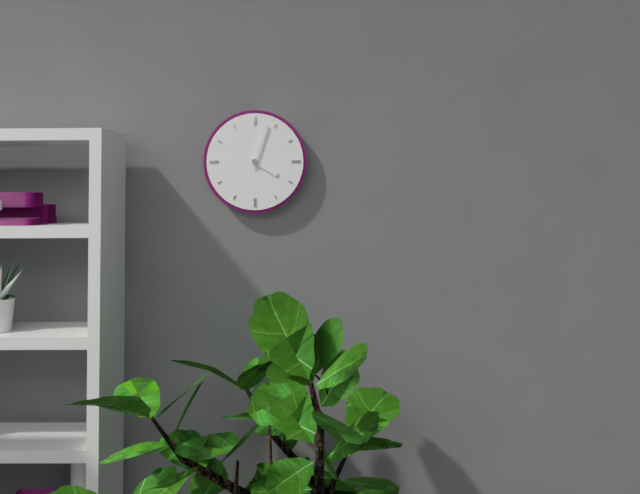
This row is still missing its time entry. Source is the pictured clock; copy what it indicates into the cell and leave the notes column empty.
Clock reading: 4:03
